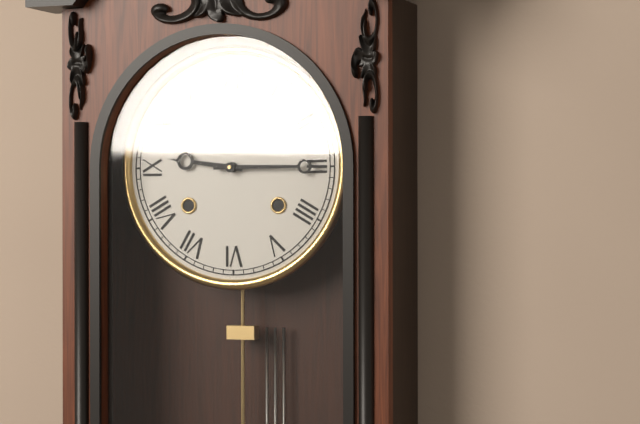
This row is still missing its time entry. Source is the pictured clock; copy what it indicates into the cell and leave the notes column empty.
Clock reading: 9:15
